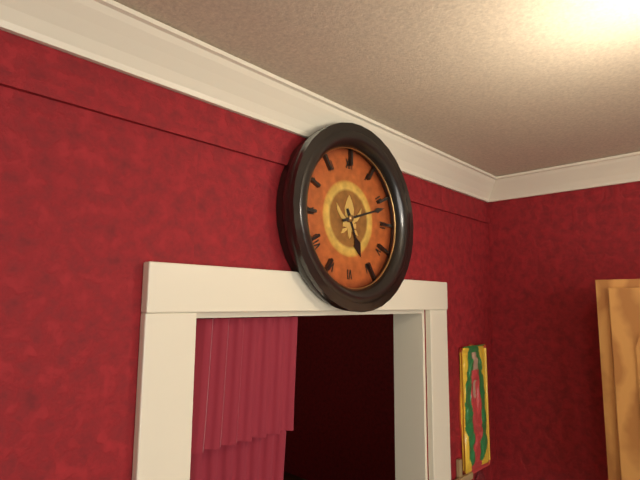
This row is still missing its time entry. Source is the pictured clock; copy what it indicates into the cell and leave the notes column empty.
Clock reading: 5:12
